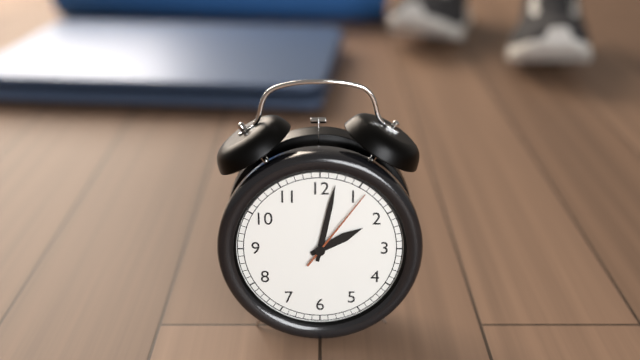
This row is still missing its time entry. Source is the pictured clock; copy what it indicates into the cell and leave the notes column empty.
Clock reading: 2:02:06
